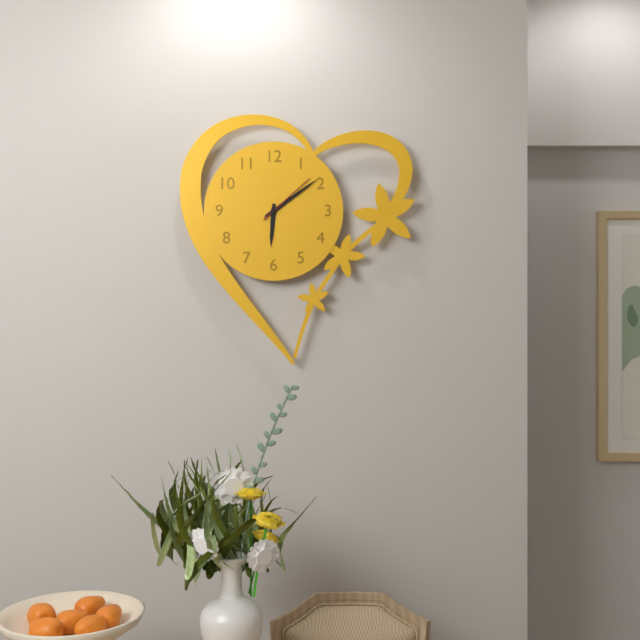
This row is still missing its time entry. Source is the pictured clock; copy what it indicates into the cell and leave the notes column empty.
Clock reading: 6:09:08
